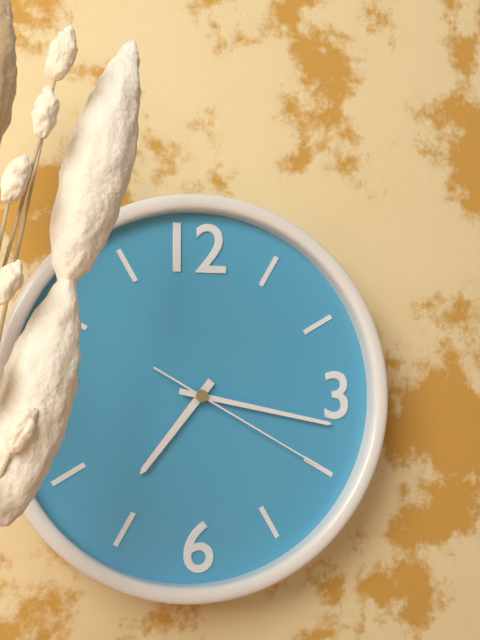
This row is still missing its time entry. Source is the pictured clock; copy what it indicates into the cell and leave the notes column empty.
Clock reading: 7:17:20
